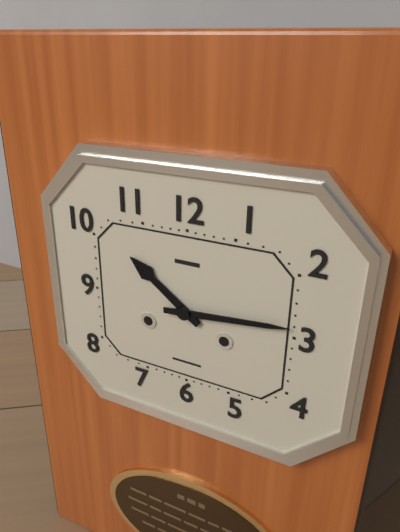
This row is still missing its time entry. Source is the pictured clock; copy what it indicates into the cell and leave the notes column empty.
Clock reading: 10:14
